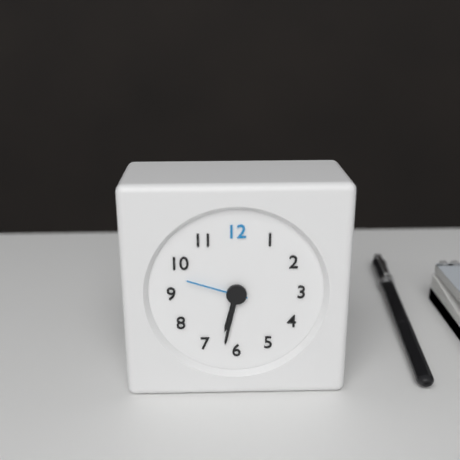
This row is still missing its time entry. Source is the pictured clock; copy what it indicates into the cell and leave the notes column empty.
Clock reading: 6:32:48
